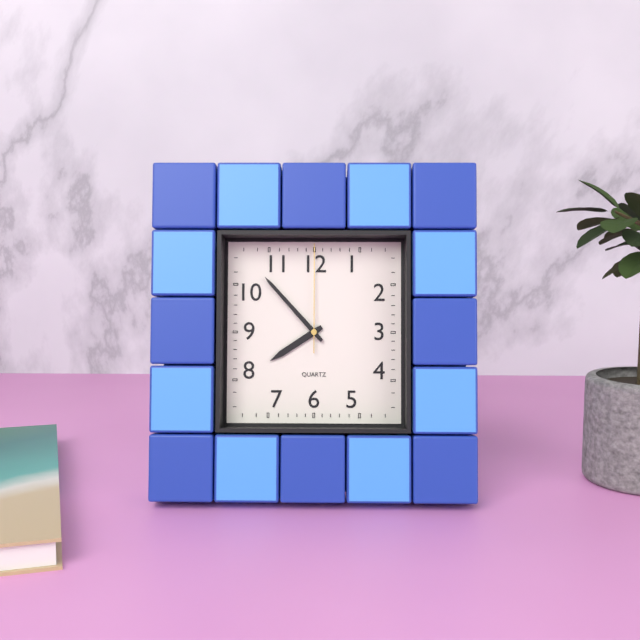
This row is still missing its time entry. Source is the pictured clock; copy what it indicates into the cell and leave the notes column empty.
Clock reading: 7:53:00
